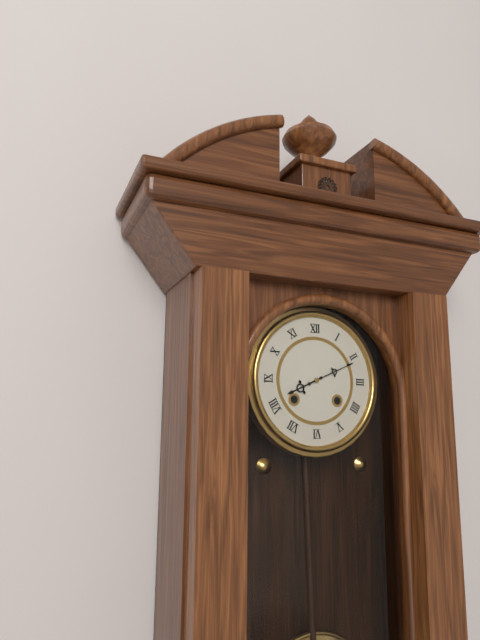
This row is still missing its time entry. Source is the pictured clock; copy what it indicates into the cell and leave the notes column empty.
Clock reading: 8:11
